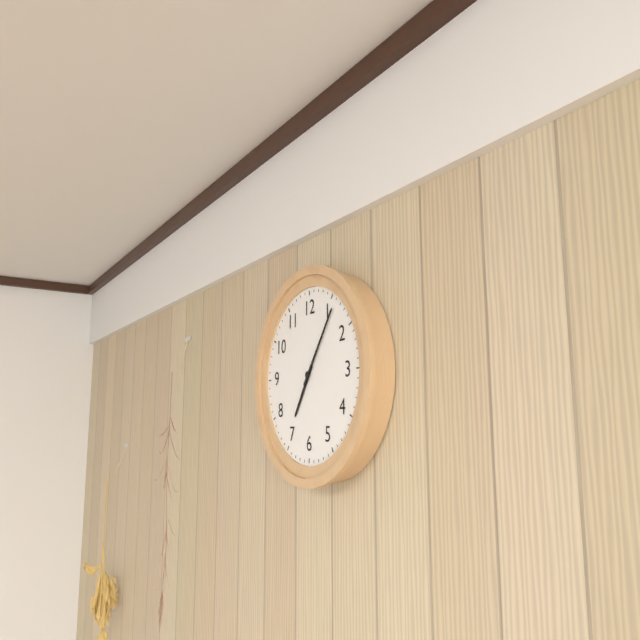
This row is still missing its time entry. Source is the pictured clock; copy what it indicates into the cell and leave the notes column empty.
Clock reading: 7:06
